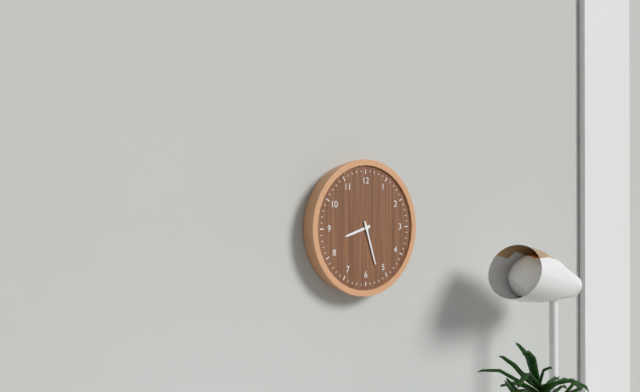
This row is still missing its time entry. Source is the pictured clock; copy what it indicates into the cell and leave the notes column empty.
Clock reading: 8:27
